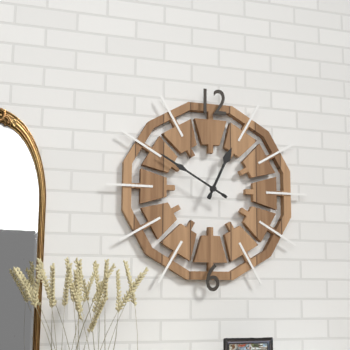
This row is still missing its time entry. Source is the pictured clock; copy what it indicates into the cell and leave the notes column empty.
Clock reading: 12:50
